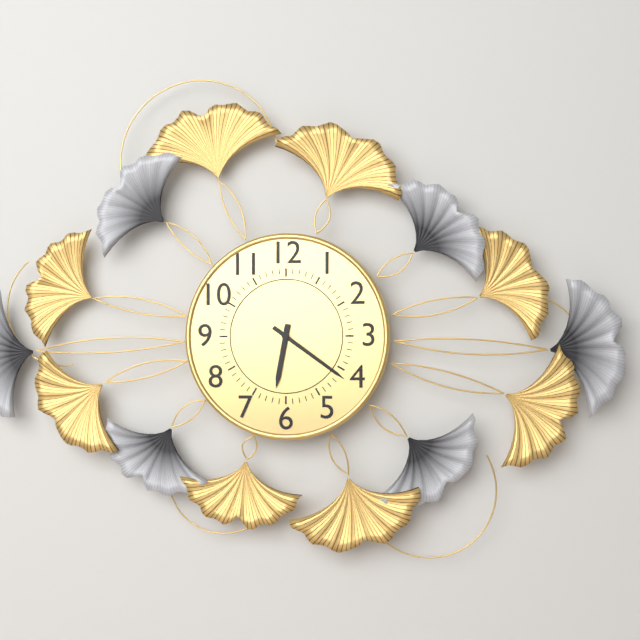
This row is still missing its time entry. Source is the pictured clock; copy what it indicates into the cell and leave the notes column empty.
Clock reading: 6:21
